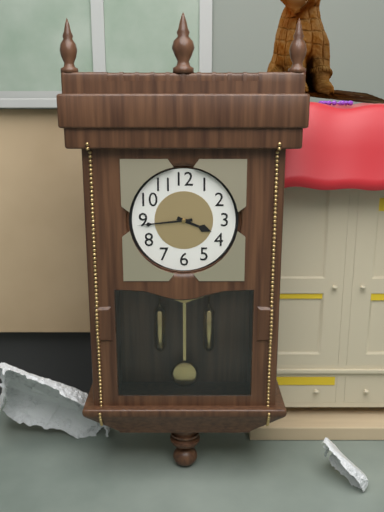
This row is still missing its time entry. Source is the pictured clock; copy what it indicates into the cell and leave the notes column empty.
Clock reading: 3:44
